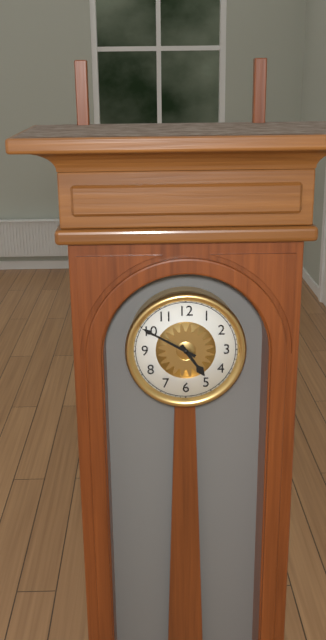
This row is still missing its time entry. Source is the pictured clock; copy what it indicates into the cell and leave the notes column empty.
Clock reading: 4:50
